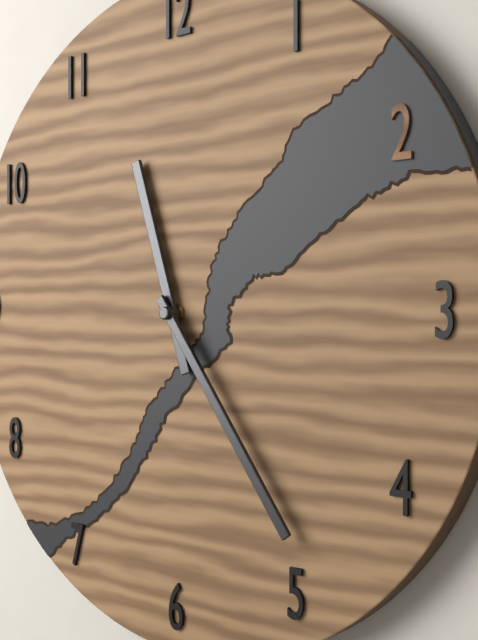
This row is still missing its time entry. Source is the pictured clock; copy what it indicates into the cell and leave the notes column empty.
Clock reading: 11:24
